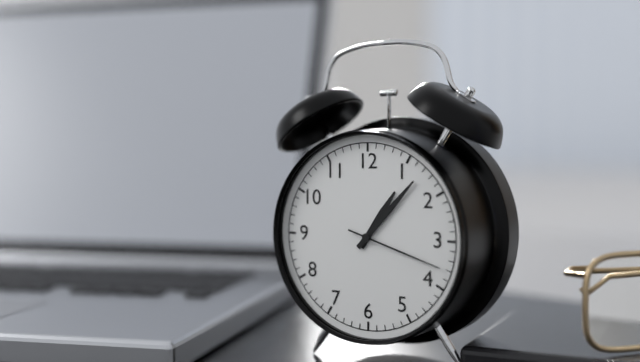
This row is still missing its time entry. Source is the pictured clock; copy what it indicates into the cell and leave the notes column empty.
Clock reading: 1:07:18
